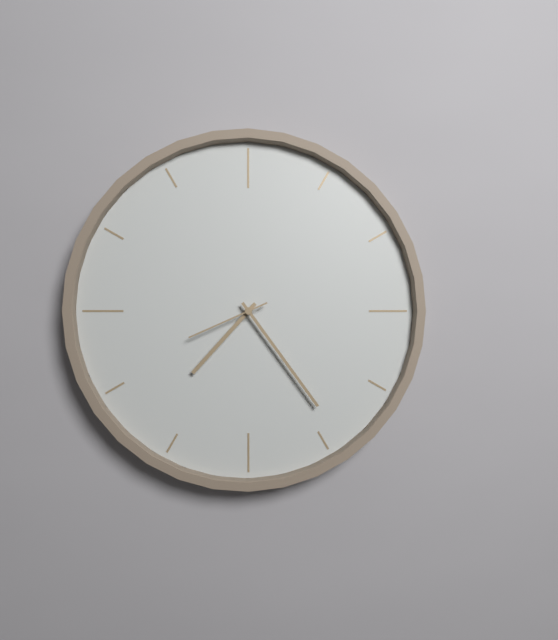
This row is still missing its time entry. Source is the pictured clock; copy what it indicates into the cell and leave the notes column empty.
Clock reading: 7:24:41
